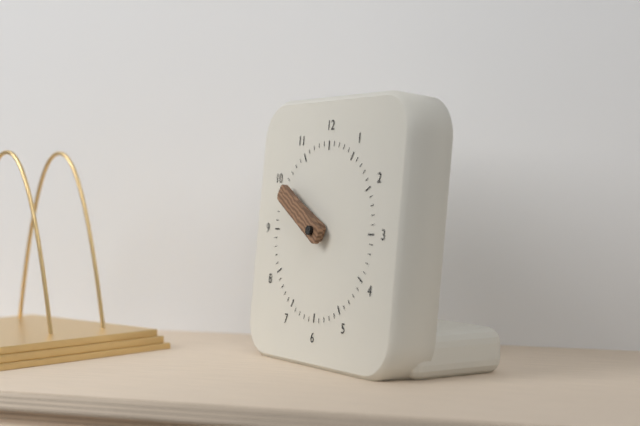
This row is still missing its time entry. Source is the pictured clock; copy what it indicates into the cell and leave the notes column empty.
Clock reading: 9:50
